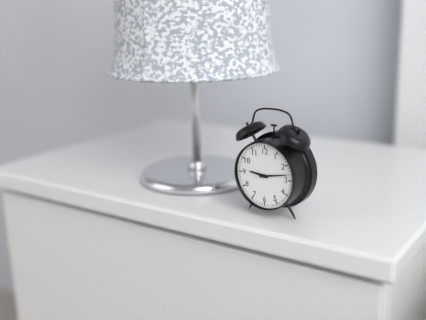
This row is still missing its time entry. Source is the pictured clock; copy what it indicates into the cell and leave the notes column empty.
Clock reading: 9:13
